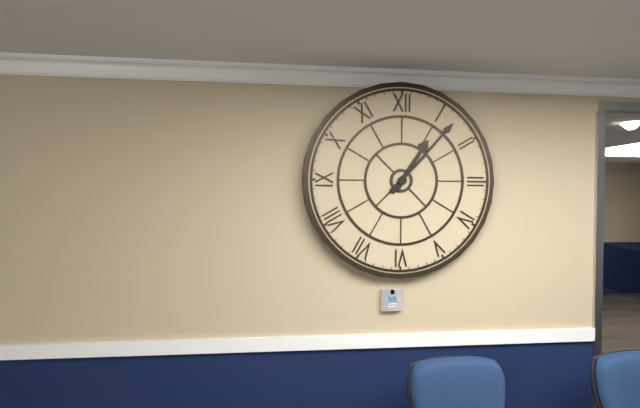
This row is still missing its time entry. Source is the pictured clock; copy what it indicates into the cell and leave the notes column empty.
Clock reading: 1:07
